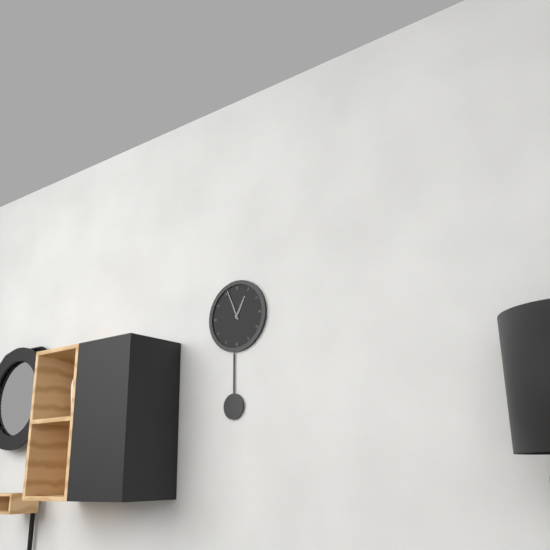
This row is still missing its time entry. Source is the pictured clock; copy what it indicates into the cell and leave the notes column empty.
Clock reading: 12:56
